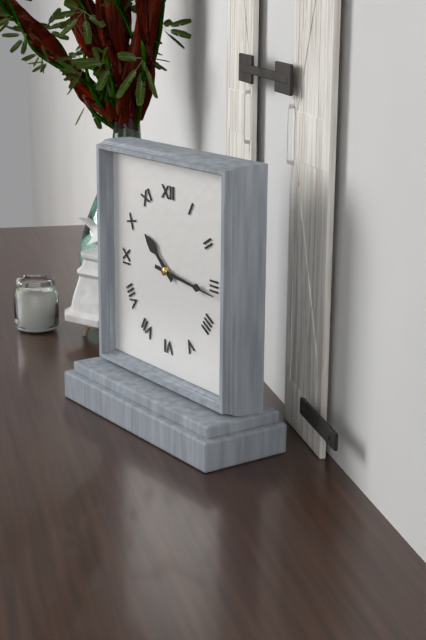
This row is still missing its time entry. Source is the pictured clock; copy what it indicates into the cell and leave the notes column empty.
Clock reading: 10:16
